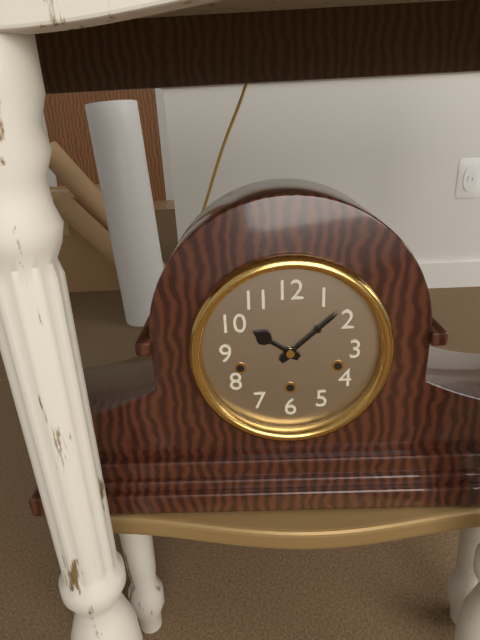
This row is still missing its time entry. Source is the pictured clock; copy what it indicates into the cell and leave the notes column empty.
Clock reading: 10:08
